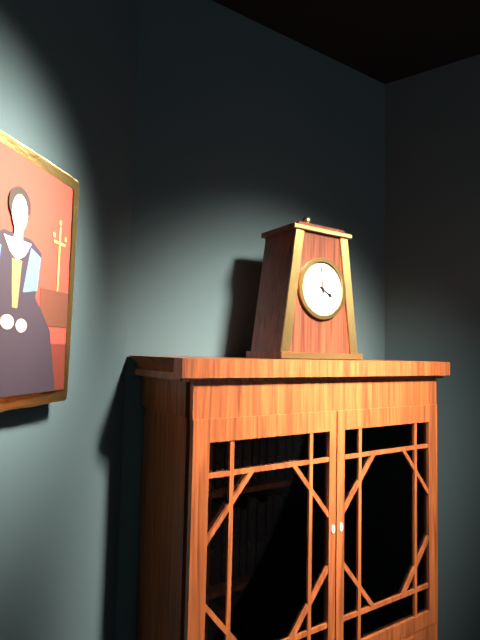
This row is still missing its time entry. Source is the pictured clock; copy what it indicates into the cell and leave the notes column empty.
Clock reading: 3:59
